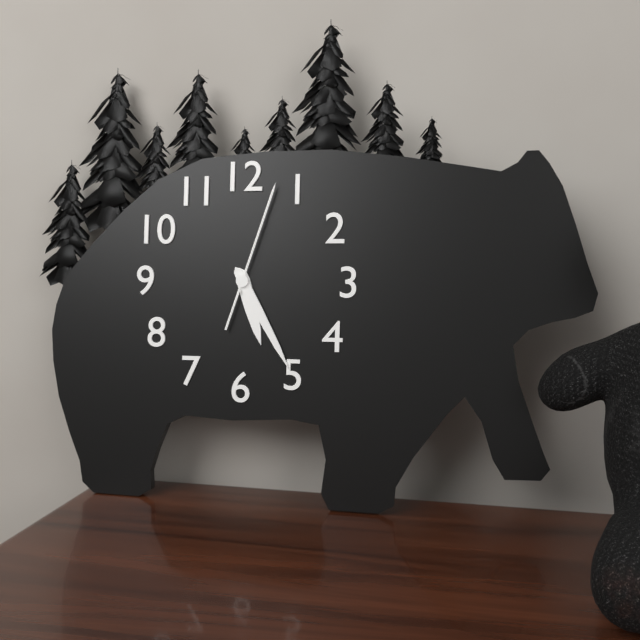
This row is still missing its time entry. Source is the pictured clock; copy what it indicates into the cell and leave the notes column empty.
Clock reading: 5:25:03
